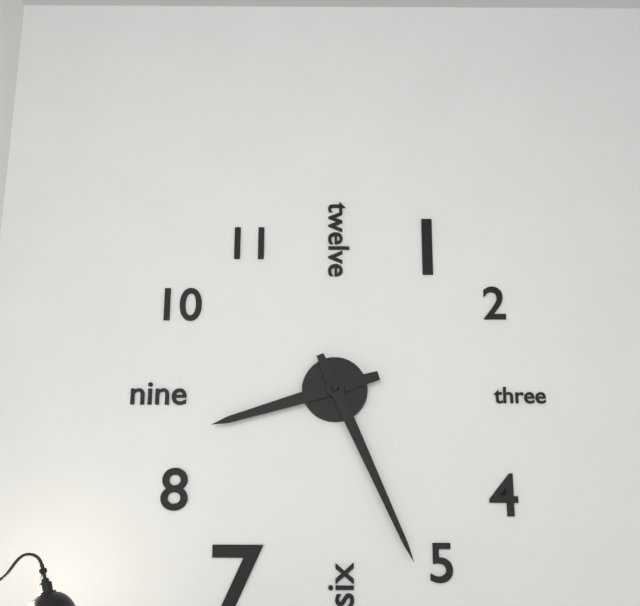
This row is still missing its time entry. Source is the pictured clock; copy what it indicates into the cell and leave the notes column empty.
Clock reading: 8:26
